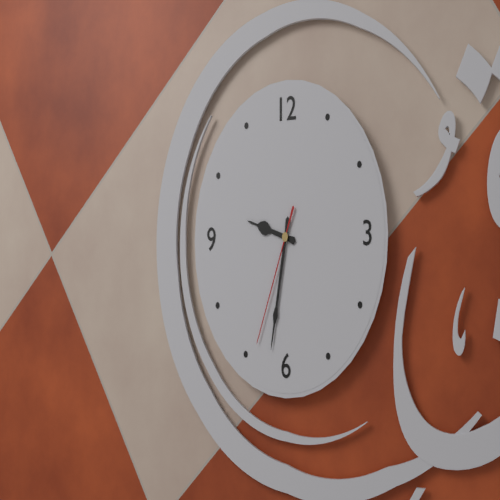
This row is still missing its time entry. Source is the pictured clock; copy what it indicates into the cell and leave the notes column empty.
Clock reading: 9:32:34
